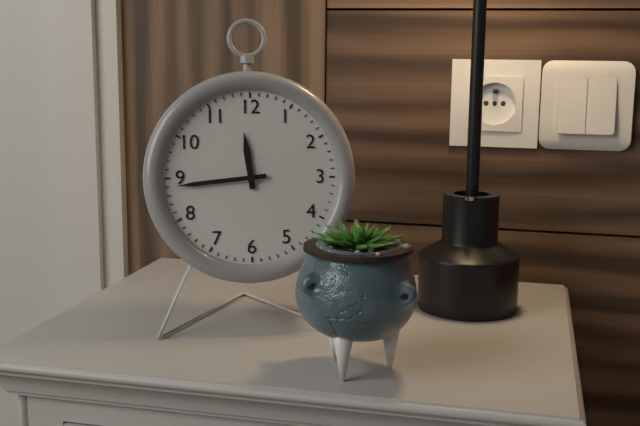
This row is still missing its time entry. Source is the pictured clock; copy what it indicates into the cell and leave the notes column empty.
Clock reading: 11:44
